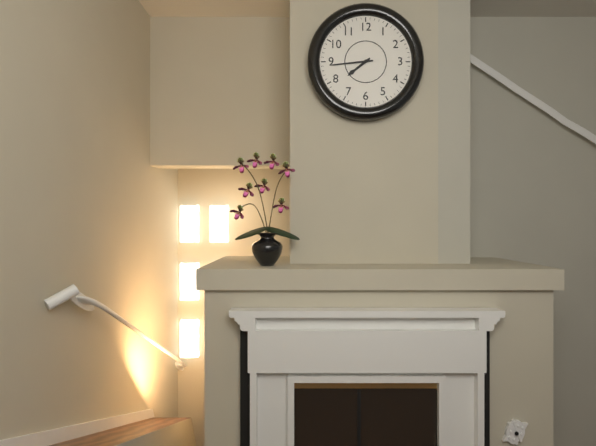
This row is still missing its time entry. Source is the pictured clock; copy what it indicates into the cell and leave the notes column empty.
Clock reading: 7:44
